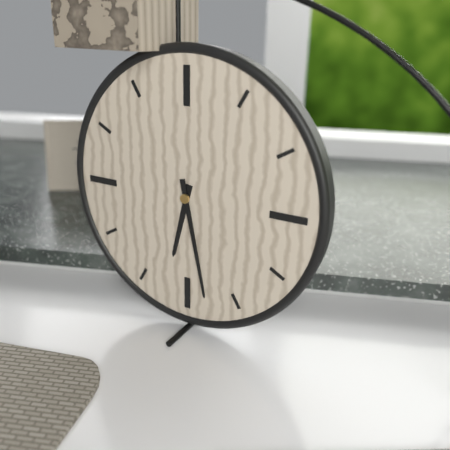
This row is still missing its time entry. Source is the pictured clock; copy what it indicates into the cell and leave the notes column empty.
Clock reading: 6:28
